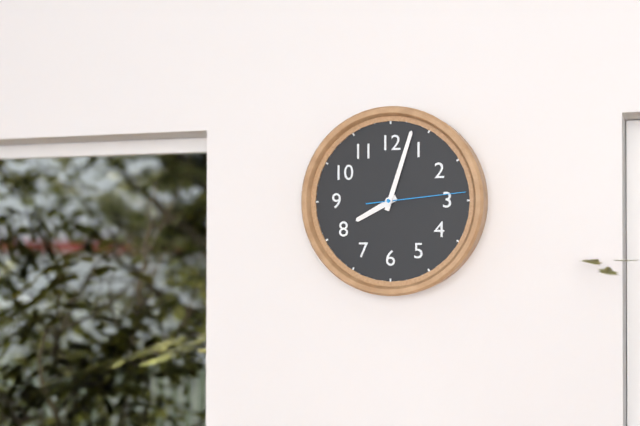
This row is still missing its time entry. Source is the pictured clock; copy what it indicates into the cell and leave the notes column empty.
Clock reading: 8:03:14
